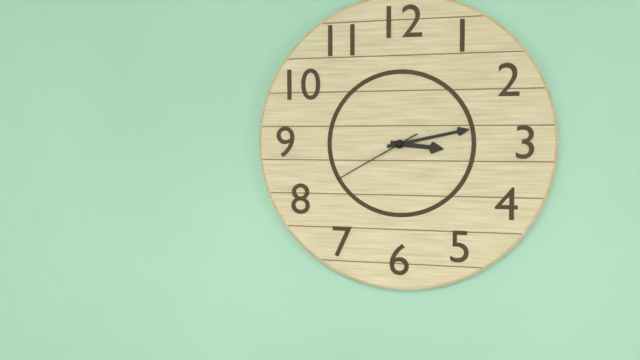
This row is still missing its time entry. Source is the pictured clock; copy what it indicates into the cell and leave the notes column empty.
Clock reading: 3:13:40
